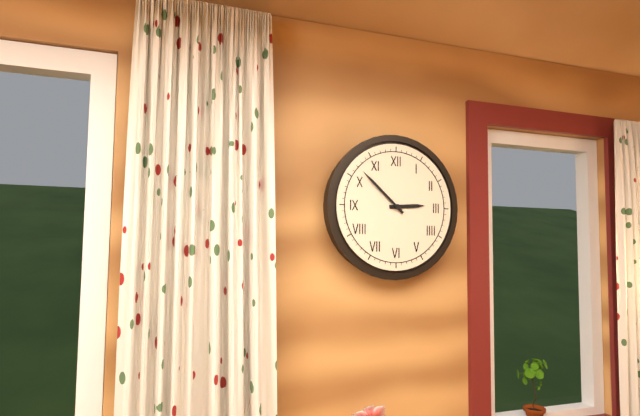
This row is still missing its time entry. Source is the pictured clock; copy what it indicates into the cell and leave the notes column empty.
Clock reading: 2:52
